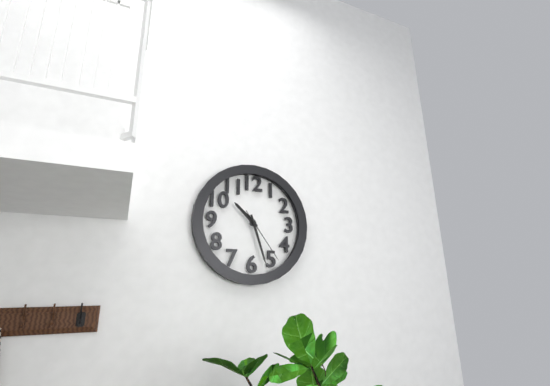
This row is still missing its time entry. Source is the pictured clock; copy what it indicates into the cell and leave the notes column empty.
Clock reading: 10:27:24
